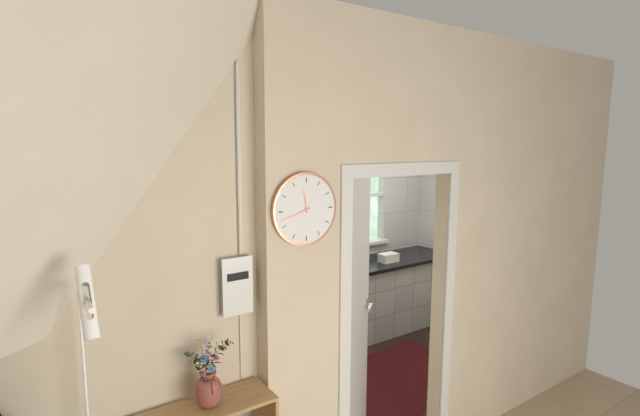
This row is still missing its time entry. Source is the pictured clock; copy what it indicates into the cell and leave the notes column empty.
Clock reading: 11:42
